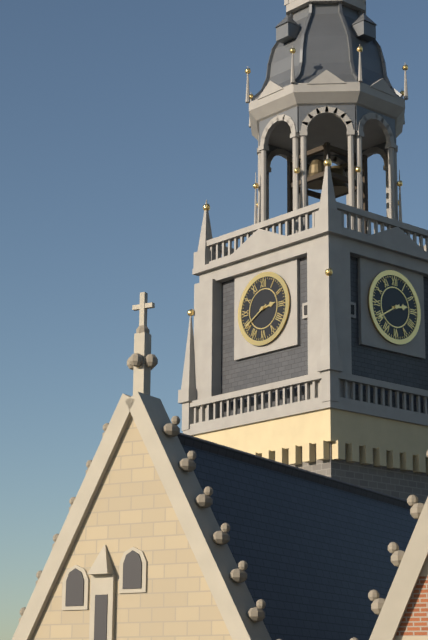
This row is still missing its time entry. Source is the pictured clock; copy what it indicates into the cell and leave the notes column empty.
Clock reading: 2:40
